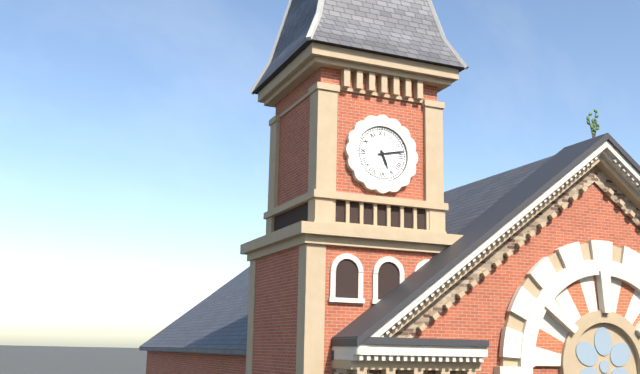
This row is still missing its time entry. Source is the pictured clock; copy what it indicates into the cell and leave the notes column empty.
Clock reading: 5:13
